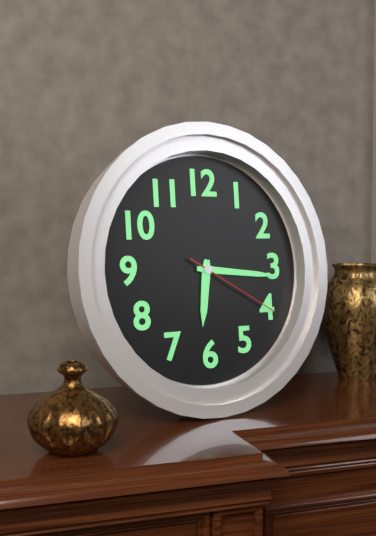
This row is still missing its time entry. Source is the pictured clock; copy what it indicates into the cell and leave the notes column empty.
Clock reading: 6:16:20
